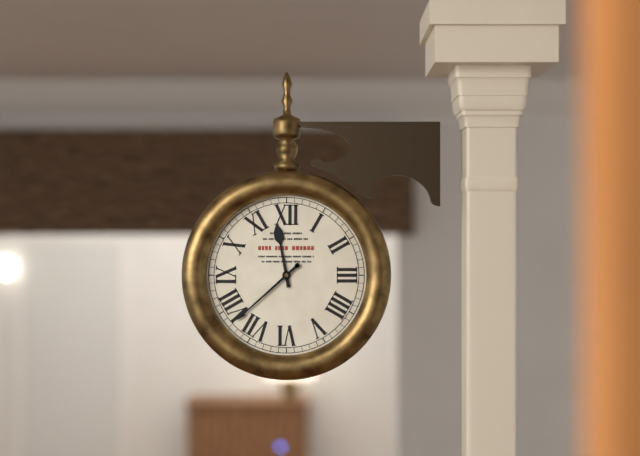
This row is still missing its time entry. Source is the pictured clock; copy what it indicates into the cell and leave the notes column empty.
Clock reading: 11:38
